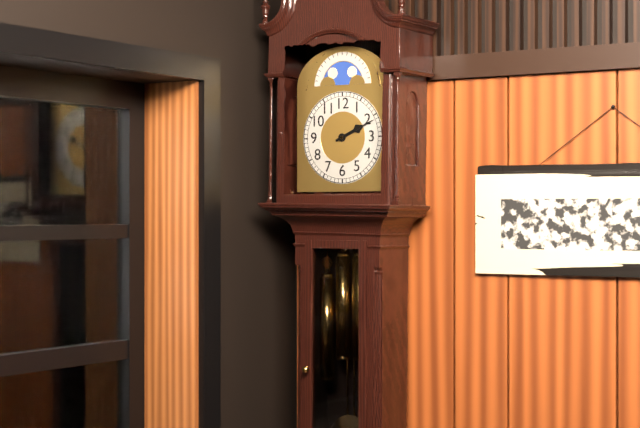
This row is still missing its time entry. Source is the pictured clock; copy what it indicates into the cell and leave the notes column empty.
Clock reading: 2:11
